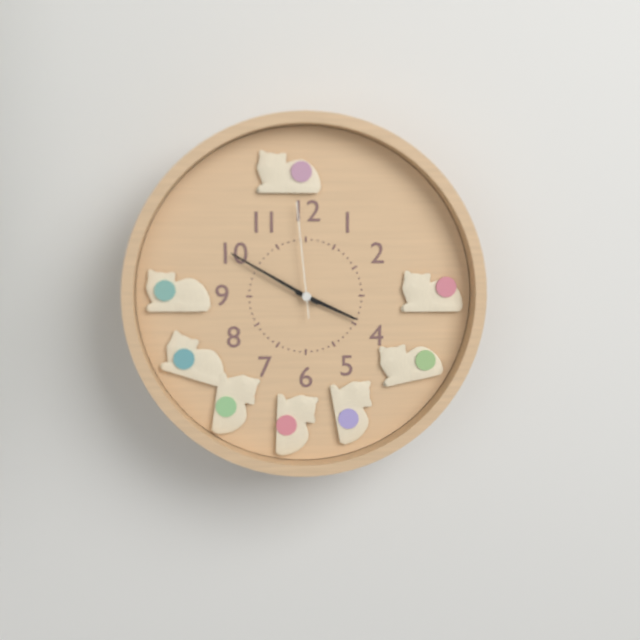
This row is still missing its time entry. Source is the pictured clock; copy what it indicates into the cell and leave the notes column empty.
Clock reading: 3:50:59
